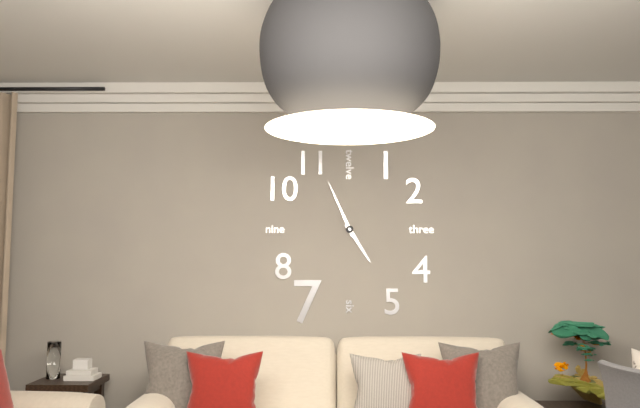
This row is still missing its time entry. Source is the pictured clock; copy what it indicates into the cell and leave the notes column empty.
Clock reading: 4:56
